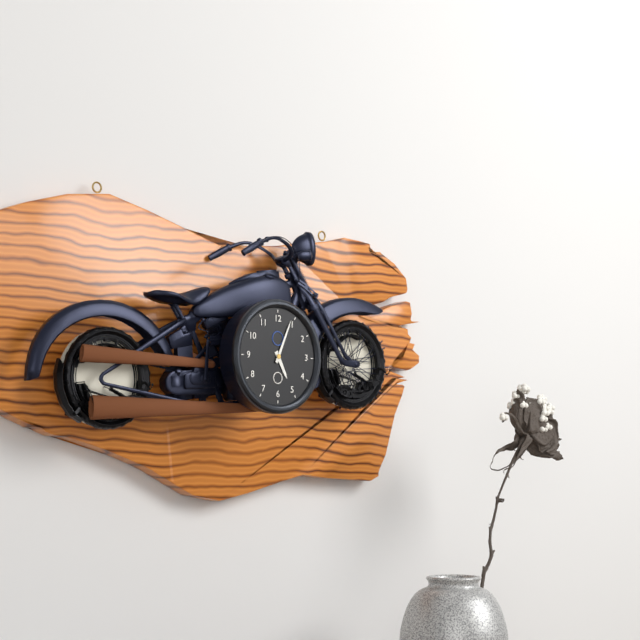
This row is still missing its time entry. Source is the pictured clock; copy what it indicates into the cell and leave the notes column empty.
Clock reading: 5:04
